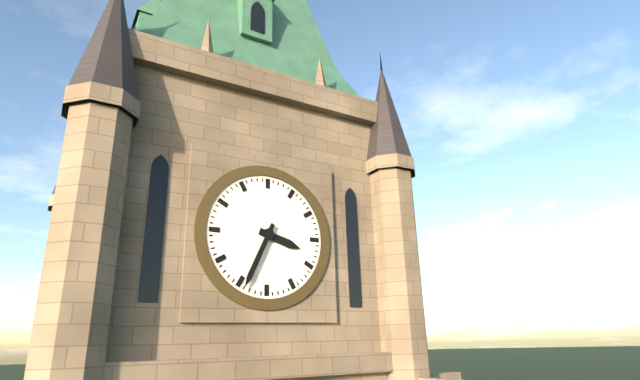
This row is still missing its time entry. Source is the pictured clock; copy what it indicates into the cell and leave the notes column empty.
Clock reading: 3:34
